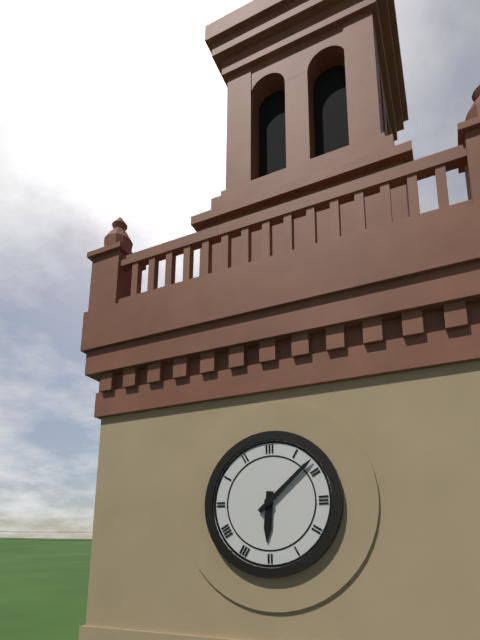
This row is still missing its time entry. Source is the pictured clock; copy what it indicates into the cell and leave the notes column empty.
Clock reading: 6:08
